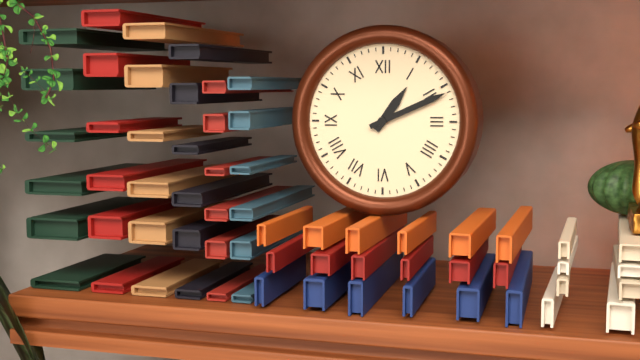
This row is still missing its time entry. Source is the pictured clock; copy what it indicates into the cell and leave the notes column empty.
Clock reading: 1:11
